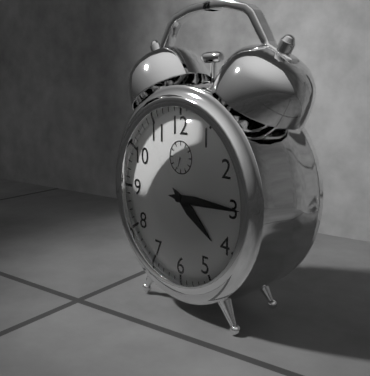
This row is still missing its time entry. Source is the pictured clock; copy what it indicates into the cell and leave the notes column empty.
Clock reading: 4:15
